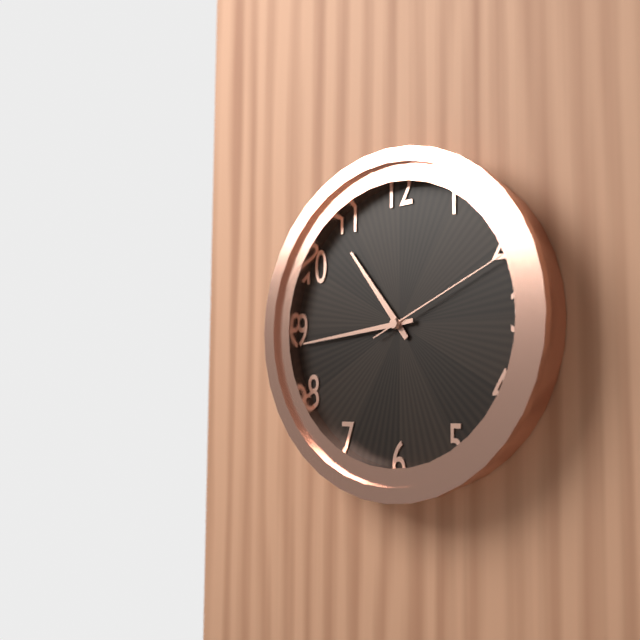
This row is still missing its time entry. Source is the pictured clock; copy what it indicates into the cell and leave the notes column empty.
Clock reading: 10:44:11
